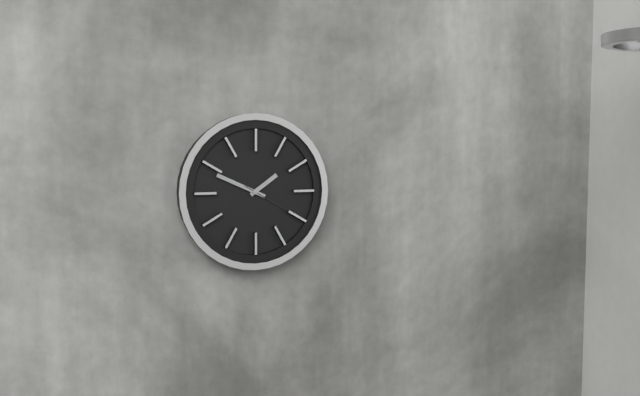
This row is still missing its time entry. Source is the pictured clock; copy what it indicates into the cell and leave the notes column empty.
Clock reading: 1:49:20
